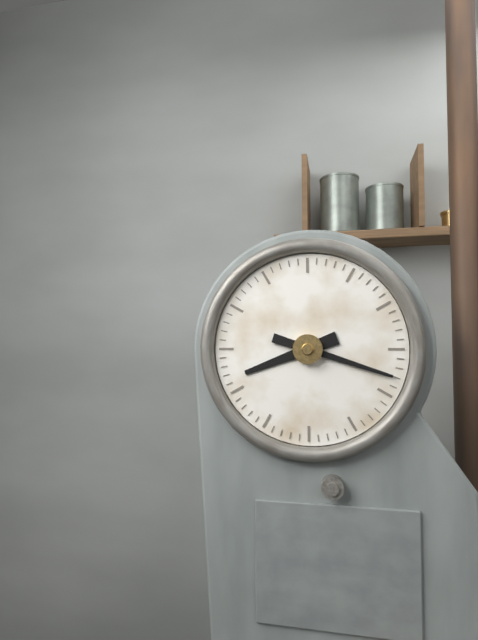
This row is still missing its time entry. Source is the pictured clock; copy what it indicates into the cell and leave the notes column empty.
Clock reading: 8:18
